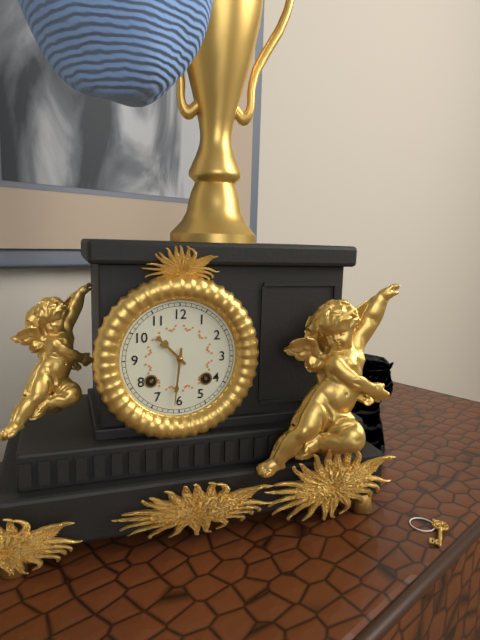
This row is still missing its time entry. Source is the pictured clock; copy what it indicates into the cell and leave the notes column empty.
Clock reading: 10:31
